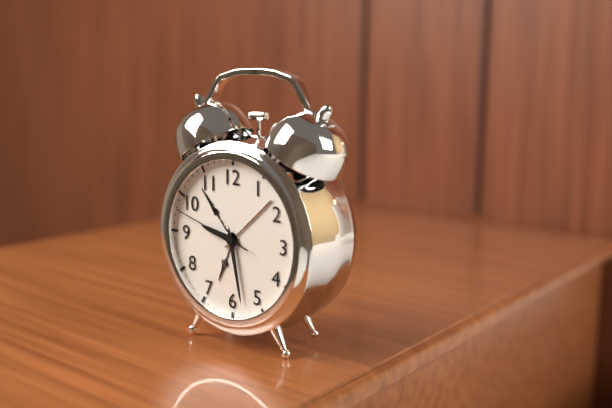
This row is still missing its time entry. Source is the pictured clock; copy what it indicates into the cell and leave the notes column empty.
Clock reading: 9:28:48
